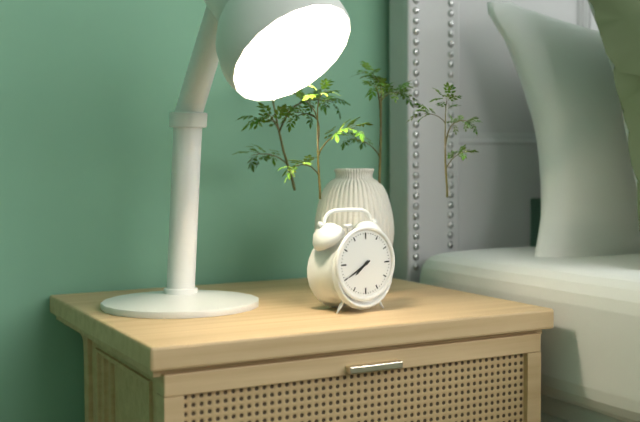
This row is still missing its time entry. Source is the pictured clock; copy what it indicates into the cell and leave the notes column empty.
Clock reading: 7:40
